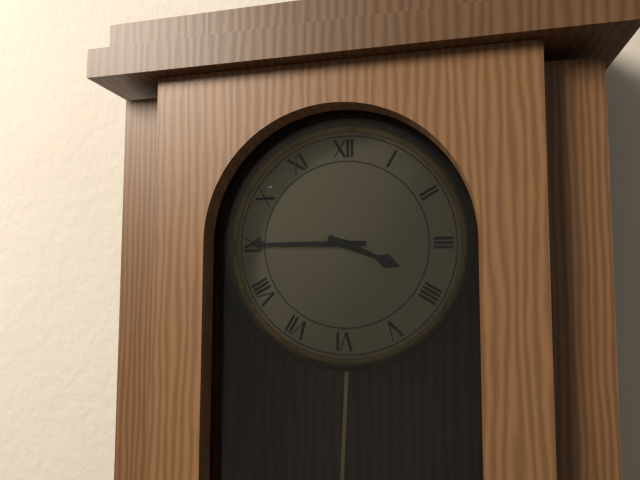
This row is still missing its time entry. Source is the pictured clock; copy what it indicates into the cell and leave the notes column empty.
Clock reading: 3:45
